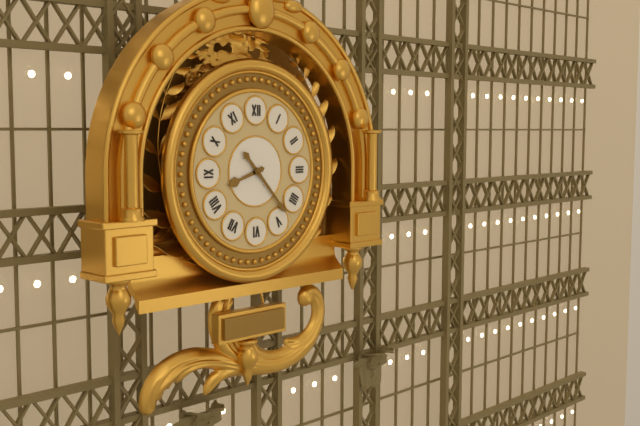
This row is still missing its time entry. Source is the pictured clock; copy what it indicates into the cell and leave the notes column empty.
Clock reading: 8:23
